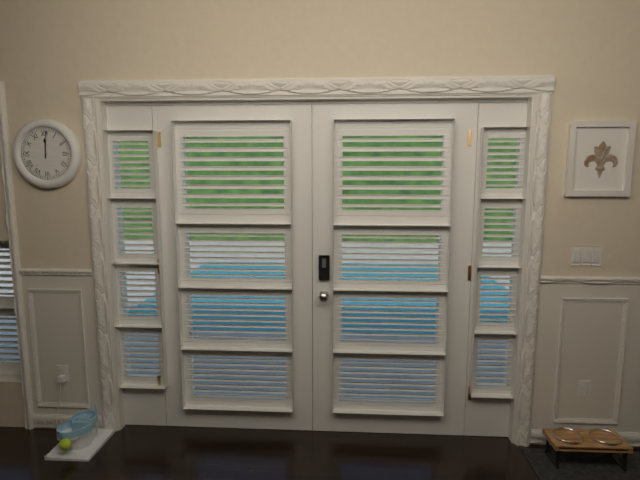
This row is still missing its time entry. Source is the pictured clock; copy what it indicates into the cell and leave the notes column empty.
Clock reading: 12:01
